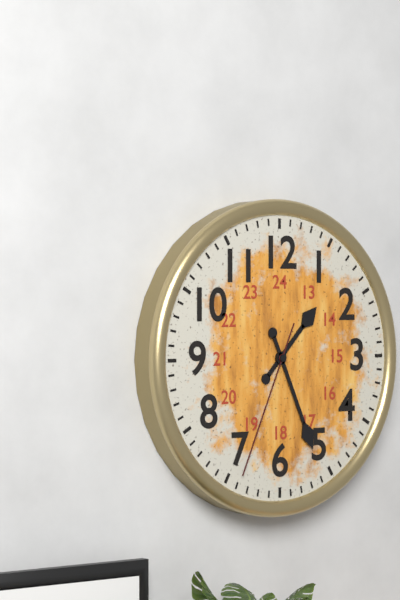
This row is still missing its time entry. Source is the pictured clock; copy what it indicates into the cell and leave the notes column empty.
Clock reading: 1:26:34
